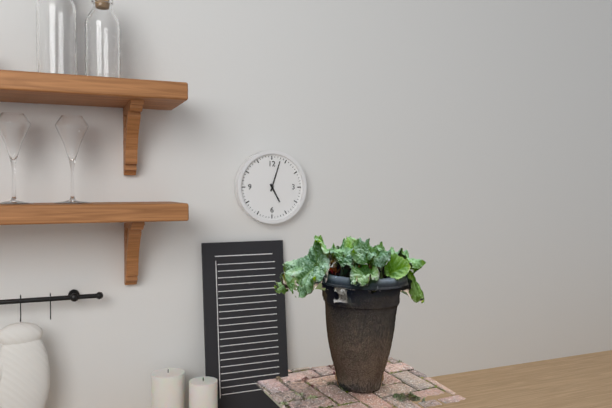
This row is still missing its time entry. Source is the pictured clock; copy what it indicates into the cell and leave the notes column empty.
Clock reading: 5:03
